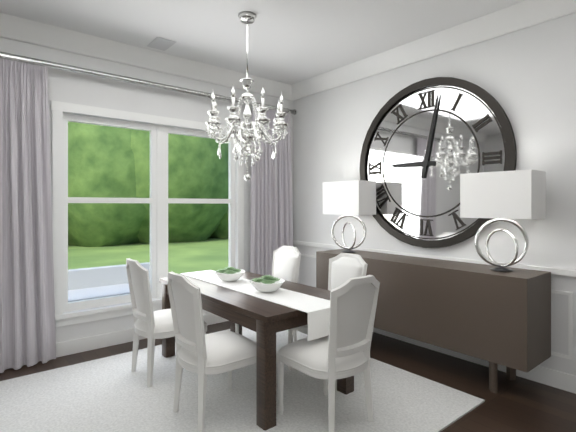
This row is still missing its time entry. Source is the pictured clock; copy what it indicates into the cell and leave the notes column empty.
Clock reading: 9:02
